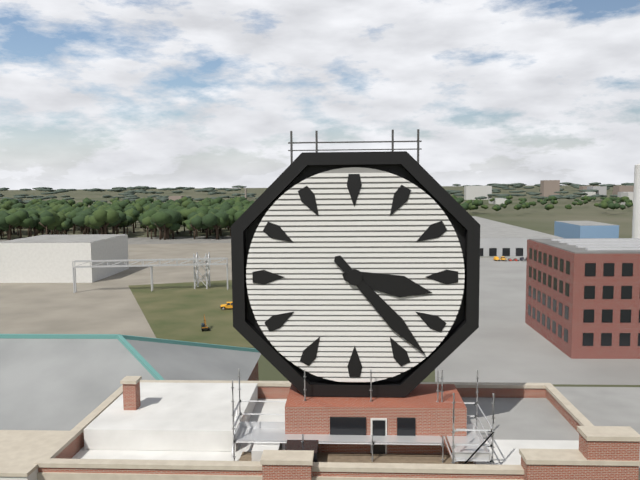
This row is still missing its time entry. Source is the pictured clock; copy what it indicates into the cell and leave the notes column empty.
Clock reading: 3:23
